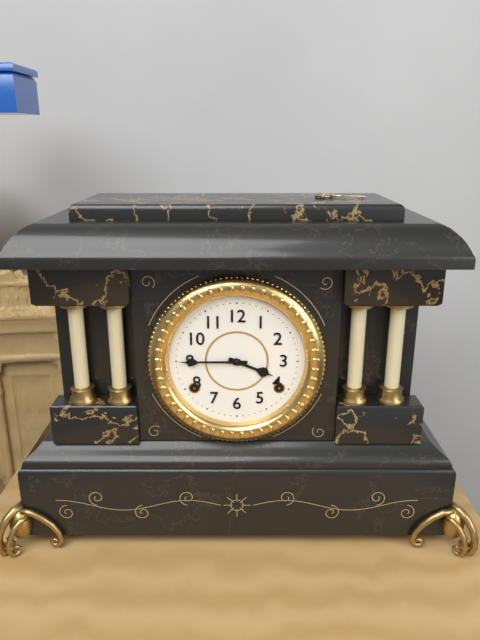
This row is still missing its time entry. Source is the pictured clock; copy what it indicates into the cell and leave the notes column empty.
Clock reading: 3:45
